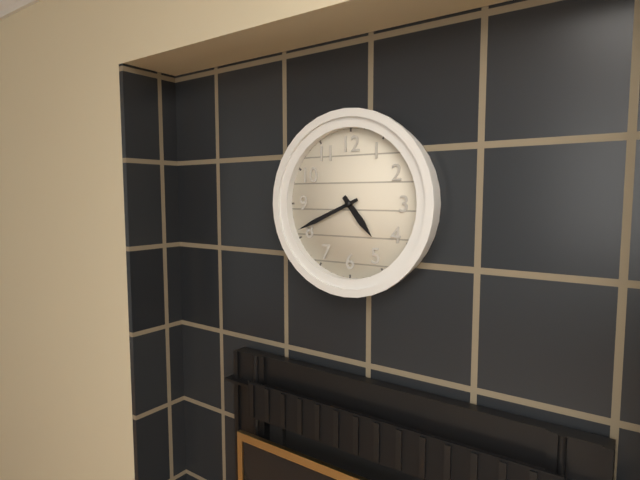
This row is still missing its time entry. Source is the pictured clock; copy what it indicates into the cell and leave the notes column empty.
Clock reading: 4:41
